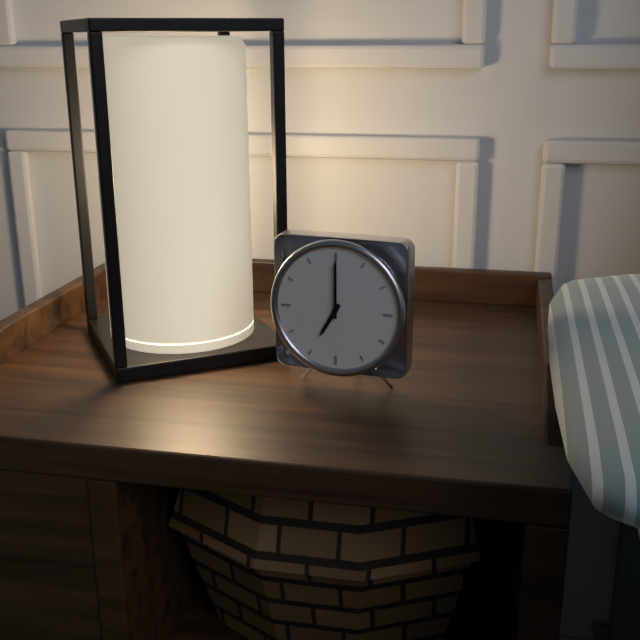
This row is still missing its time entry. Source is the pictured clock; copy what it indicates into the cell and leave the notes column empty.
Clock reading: 7:00
